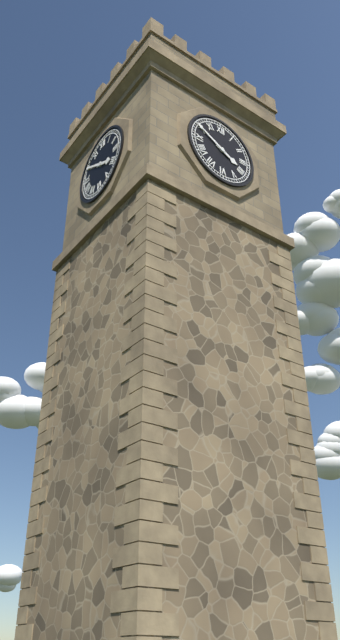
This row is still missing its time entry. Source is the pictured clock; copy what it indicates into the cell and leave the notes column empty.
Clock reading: 3:50
